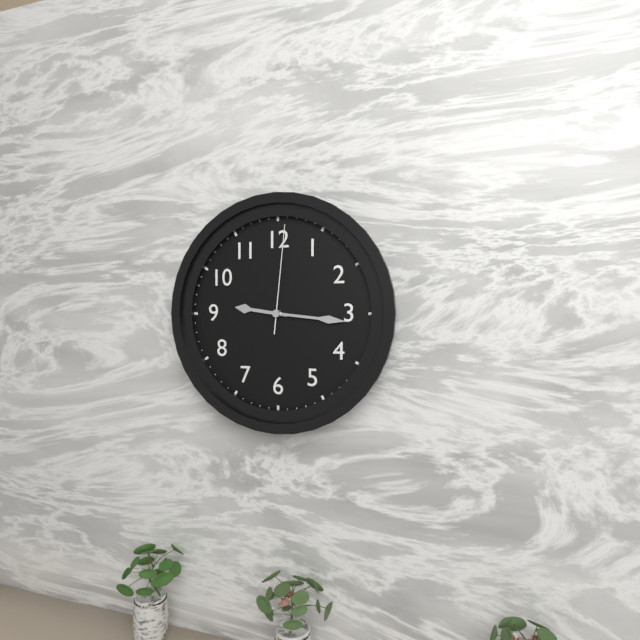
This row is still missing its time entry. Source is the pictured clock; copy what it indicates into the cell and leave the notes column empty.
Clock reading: 9:16:01
